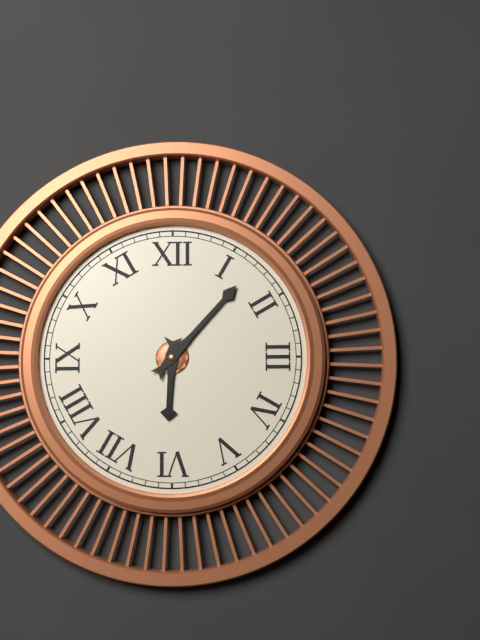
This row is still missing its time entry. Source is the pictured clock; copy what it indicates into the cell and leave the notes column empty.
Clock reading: 6:07
